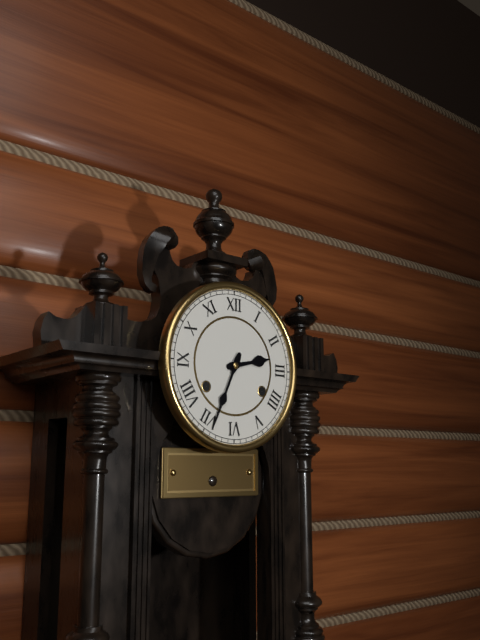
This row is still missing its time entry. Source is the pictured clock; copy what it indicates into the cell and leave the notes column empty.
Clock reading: 2:34
